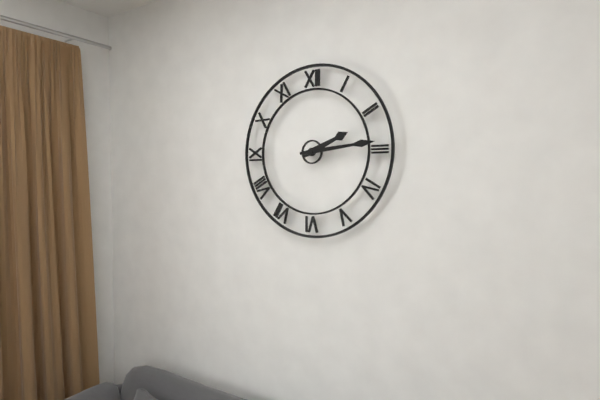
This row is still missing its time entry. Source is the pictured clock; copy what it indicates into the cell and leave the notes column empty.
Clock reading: 2:14
